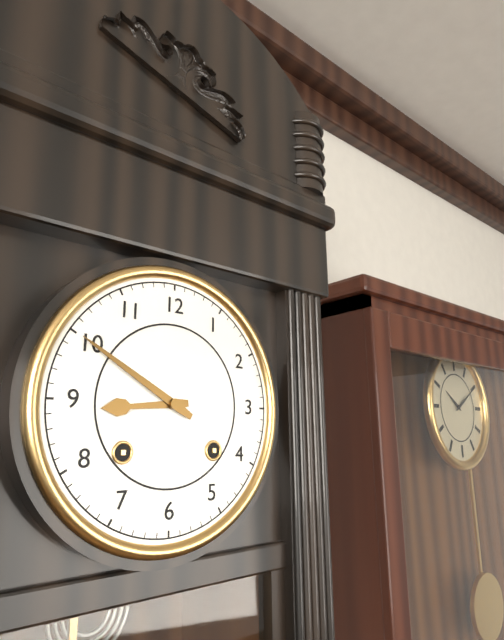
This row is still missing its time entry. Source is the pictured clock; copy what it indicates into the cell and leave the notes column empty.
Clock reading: 8:50
